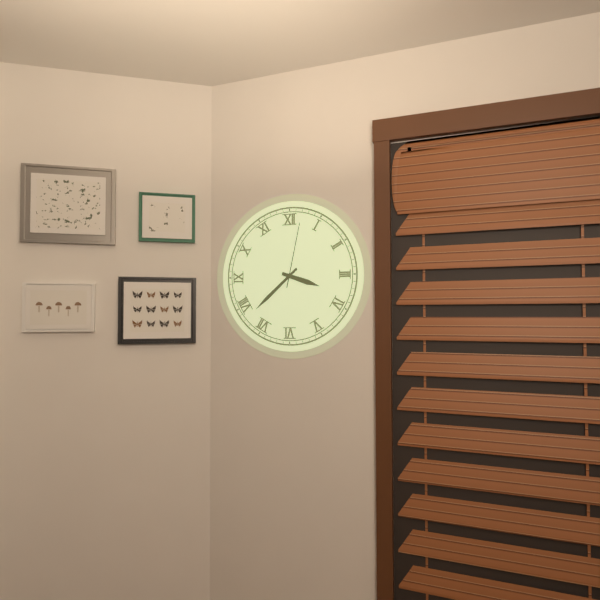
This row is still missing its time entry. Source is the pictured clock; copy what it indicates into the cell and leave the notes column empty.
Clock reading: 3:38:02
